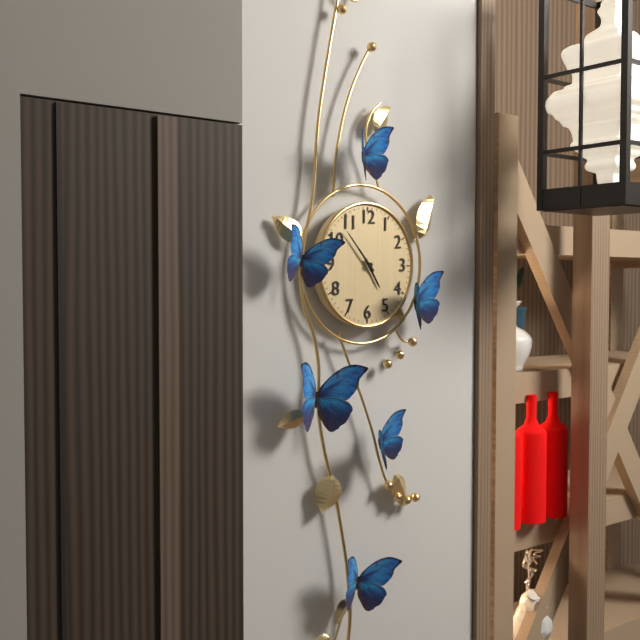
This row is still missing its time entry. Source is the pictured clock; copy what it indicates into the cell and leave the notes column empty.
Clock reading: 4:53
